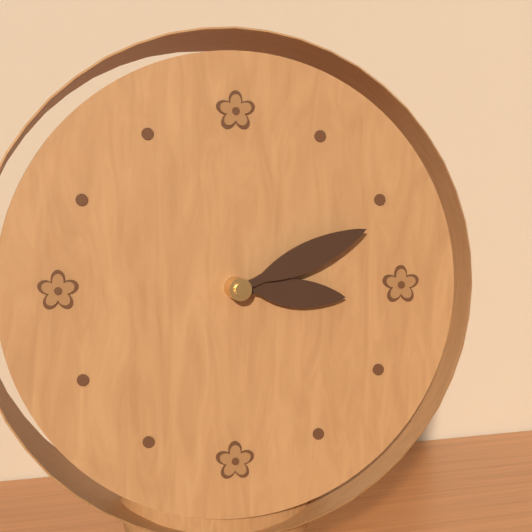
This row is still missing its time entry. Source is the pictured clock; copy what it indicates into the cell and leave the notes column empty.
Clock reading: 3:11
